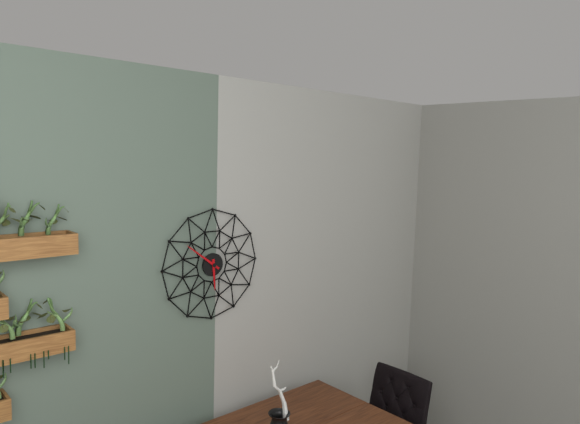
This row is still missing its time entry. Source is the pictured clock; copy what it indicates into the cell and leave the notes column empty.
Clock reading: 5:51
